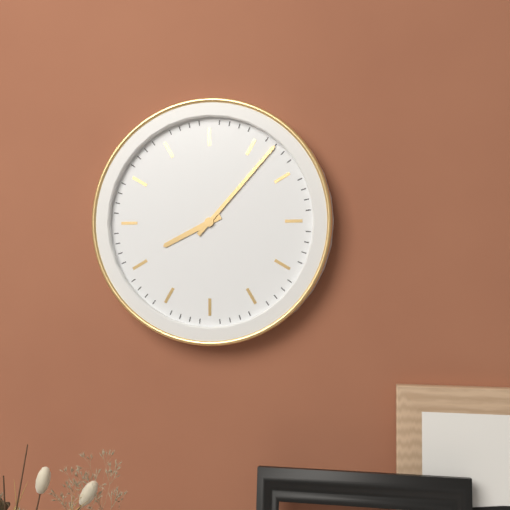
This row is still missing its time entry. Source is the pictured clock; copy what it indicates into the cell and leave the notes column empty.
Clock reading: 8:07
